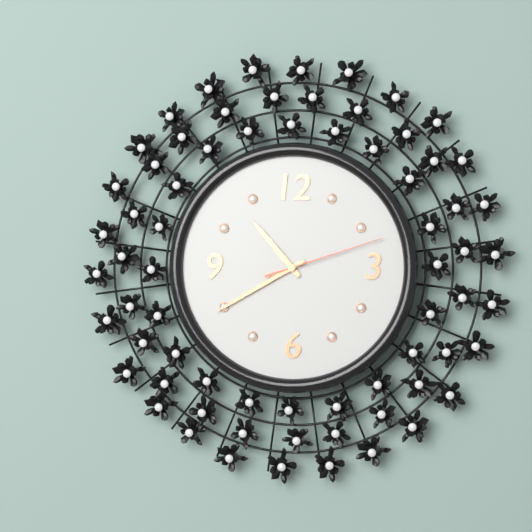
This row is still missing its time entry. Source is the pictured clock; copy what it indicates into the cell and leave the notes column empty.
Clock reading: 10:40:12
